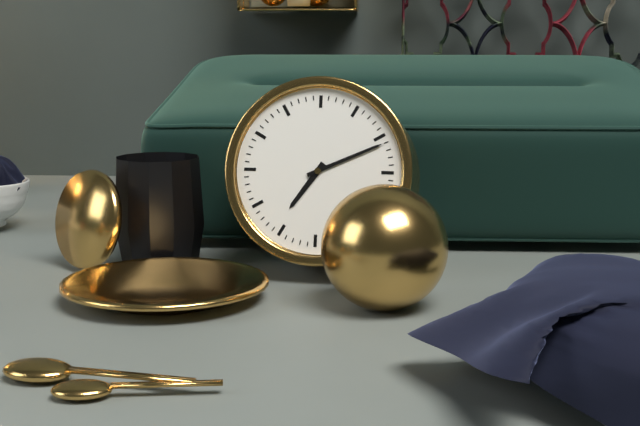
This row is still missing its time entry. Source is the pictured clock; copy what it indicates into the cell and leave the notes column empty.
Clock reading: 7:11
